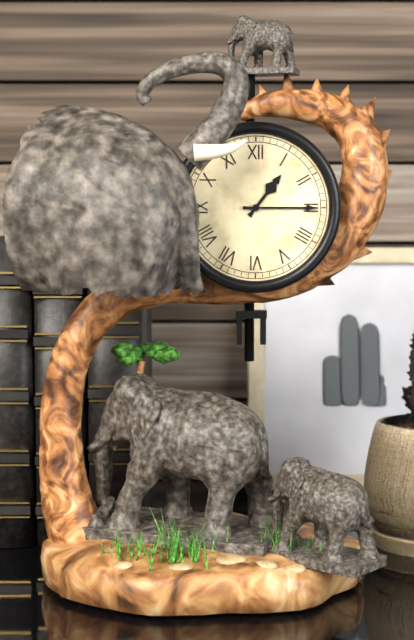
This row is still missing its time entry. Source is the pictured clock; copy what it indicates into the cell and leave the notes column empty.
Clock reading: 1:15
